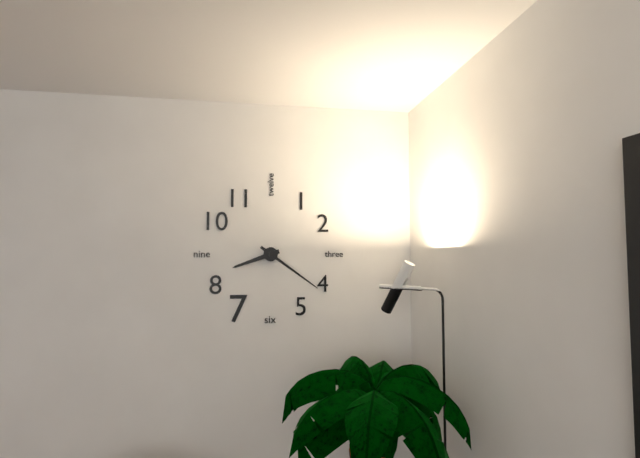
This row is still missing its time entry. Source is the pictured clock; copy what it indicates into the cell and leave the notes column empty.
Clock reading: 8:21
